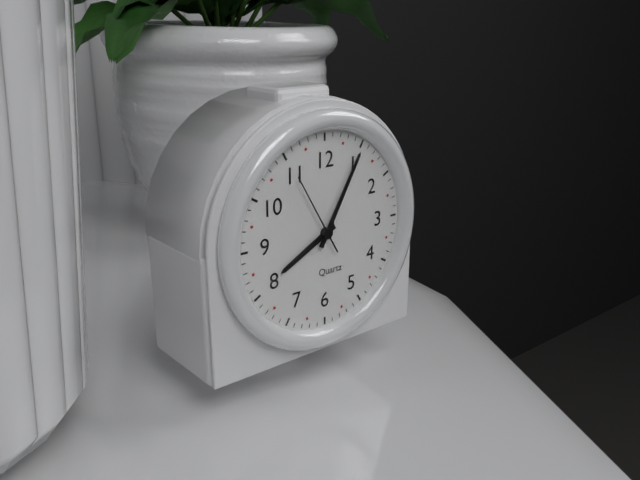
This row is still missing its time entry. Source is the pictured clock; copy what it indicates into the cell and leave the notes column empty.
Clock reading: 8:05:55
